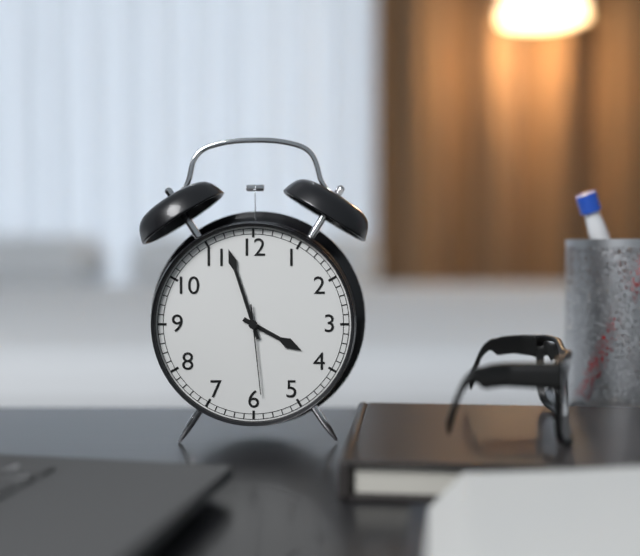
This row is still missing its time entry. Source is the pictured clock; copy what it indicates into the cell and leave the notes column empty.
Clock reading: 3:57:29
